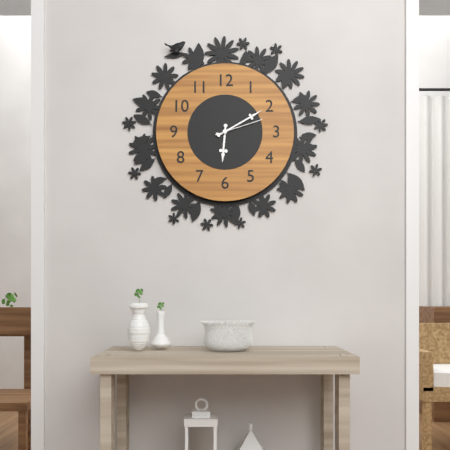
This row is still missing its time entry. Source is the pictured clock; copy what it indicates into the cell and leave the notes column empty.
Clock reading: 6:10
